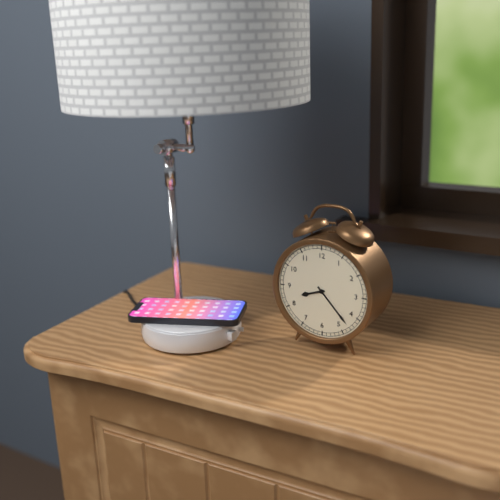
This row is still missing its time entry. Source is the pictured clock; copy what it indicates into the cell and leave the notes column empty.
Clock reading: 8:23
